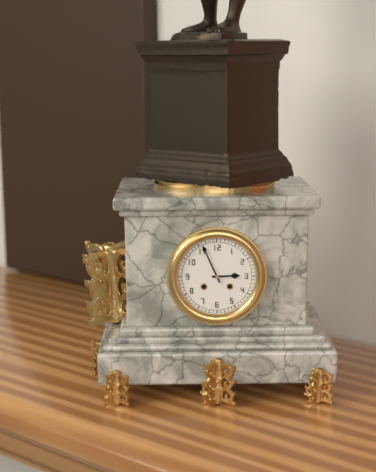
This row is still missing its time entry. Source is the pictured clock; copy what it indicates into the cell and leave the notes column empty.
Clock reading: 2:56
